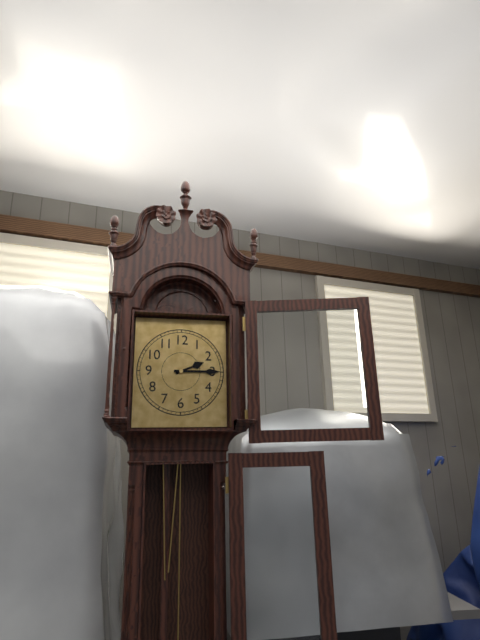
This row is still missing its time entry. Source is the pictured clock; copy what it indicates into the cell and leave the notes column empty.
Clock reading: 2:15
